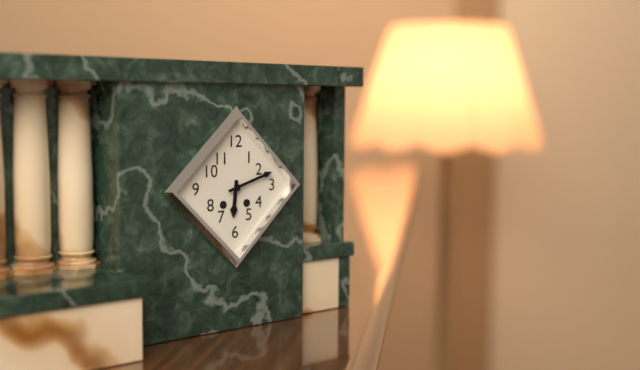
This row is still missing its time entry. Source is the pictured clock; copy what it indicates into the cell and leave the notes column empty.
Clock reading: 6:12
